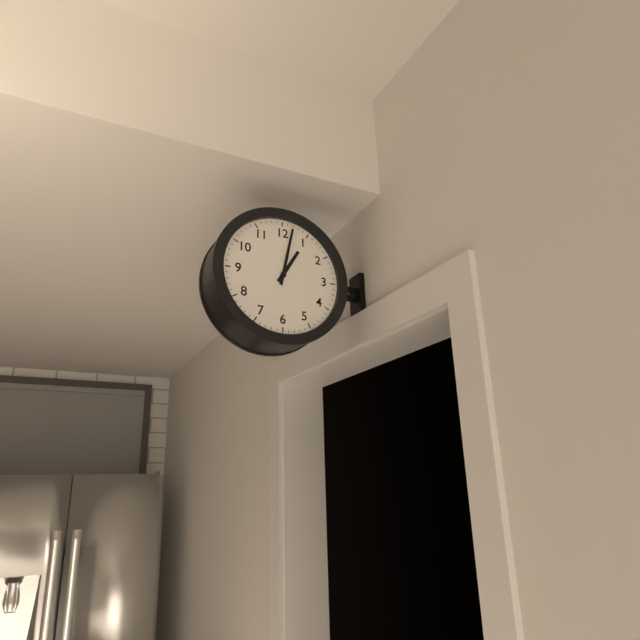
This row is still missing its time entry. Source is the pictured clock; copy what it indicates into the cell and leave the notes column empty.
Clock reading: 1:02
